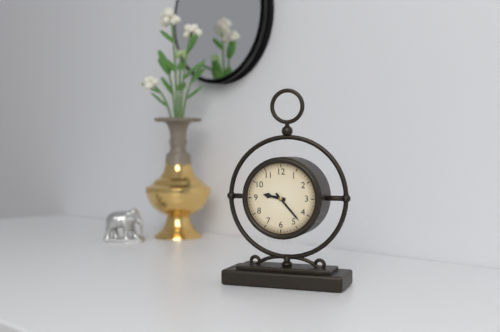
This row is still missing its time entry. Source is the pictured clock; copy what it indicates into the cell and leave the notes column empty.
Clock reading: 9:23
